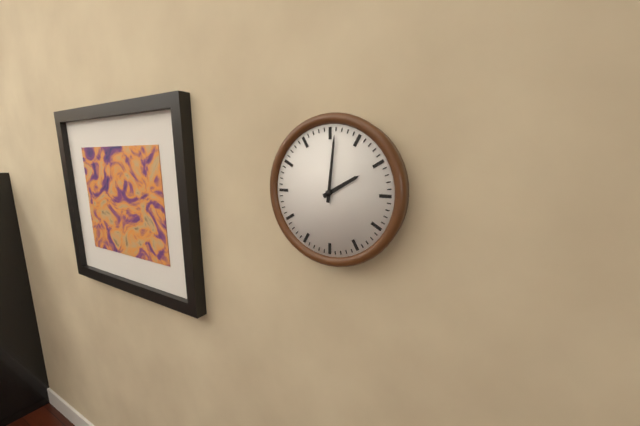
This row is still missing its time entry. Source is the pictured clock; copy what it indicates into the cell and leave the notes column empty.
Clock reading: 2:01
